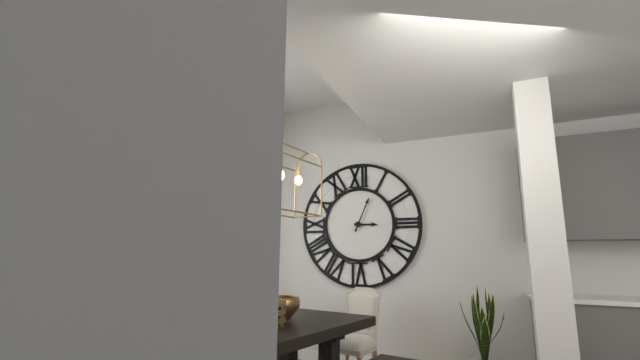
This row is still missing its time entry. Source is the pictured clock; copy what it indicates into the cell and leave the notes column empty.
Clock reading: 3:04
